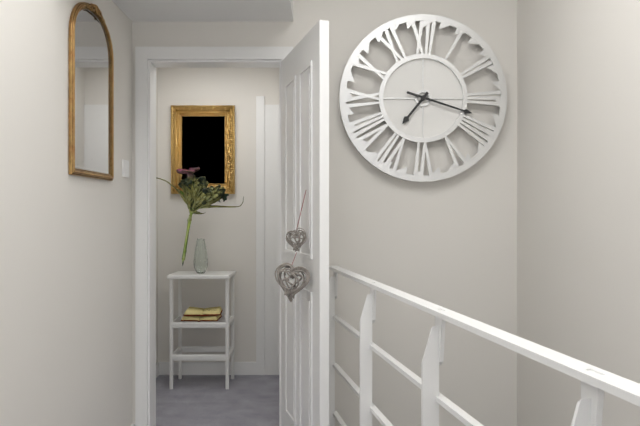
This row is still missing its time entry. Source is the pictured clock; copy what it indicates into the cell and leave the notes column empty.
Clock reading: 7:18
